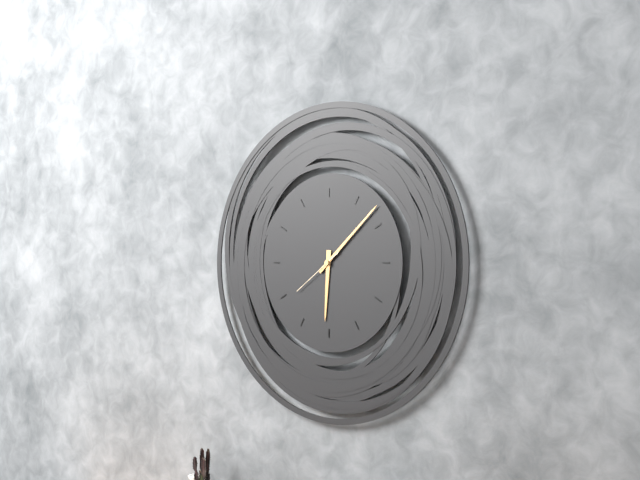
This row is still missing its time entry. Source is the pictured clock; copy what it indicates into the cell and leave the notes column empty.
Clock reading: 6:08:39
